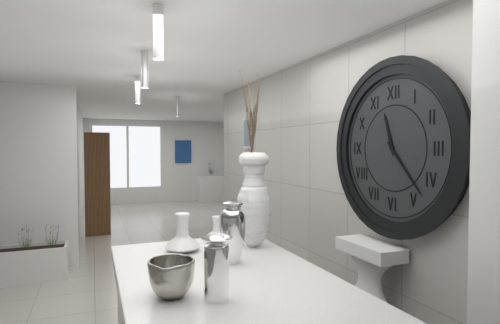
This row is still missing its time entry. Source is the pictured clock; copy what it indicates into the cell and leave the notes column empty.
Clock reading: 11:23
